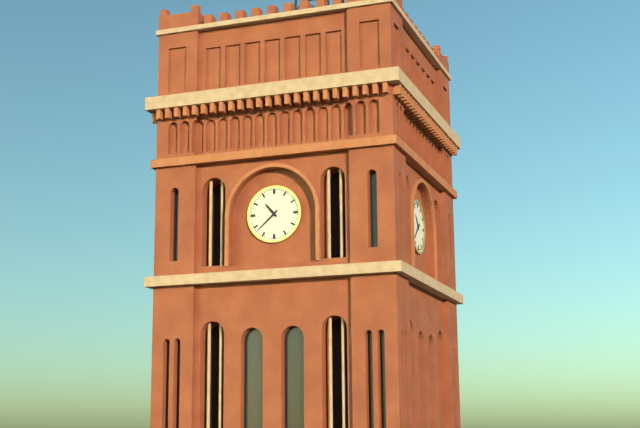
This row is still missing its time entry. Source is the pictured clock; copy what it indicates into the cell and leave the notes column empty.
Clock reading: 10:38
